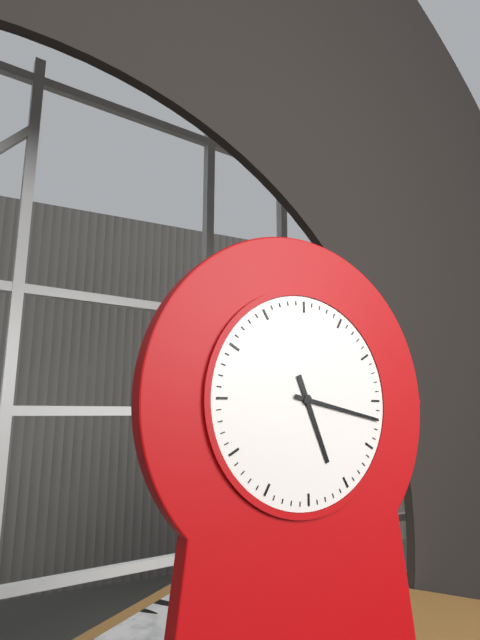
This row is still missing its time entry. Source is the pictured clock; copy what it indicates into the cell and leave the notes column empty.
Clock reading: 5:17
